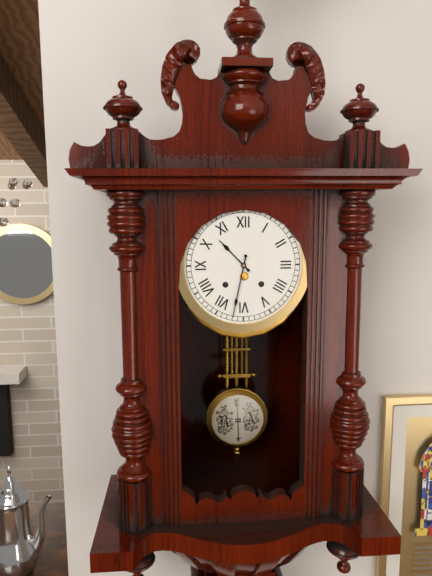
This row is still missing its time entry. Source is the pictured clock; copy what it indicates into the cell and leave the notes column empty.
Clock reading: 10:32
